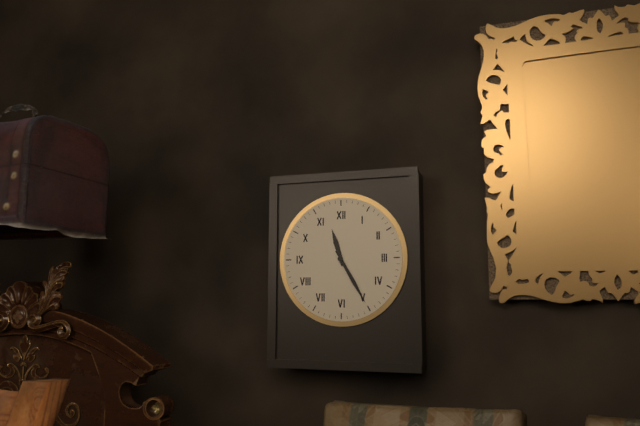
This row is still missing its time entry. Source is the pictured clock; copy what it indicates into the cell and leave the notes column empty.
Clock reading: 11:25
